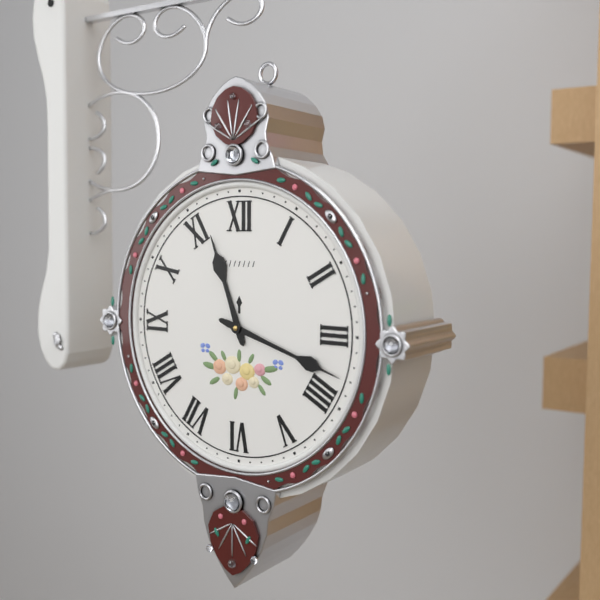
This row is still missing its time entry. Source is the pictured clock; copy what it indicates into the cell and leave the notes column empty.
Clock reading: 11:18
